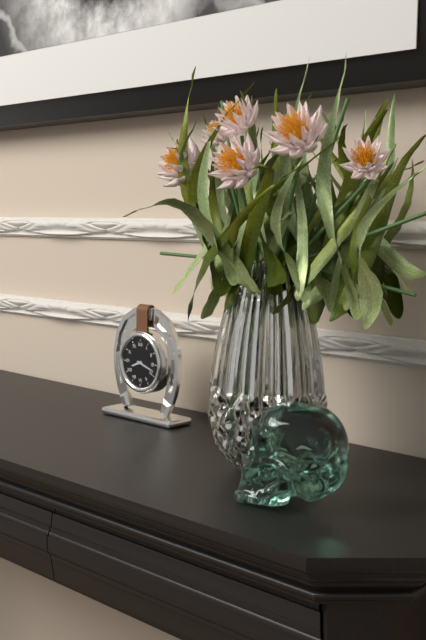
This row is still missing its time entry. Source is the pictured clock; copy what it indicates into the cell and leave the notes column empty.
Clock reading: 8:18
